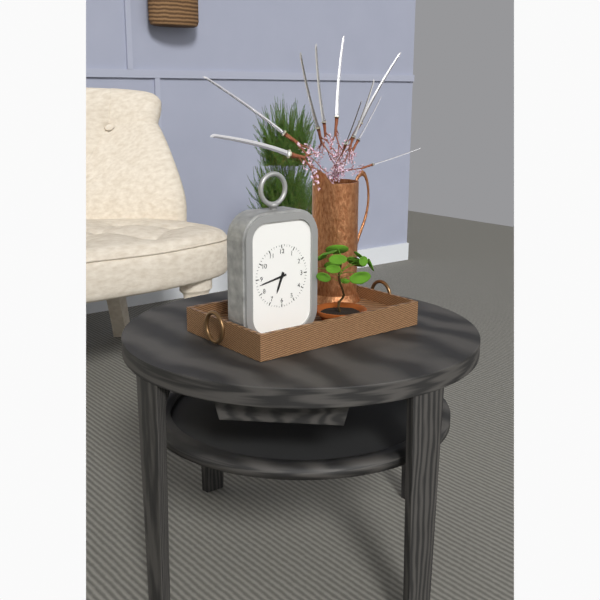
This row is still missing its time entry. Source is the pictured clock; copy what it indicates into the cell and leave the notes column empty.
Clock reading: 6:43
